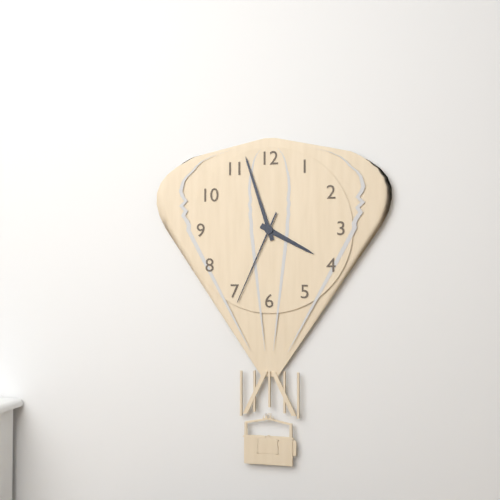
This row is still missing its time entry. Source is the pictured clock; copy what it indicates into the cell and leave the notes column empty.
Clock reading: 3:57:34
